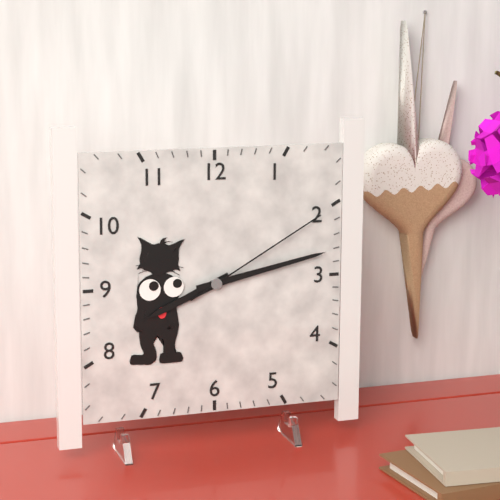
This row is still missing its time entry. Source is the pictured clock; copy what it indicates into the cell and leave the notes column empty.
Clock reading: 8:13:10
